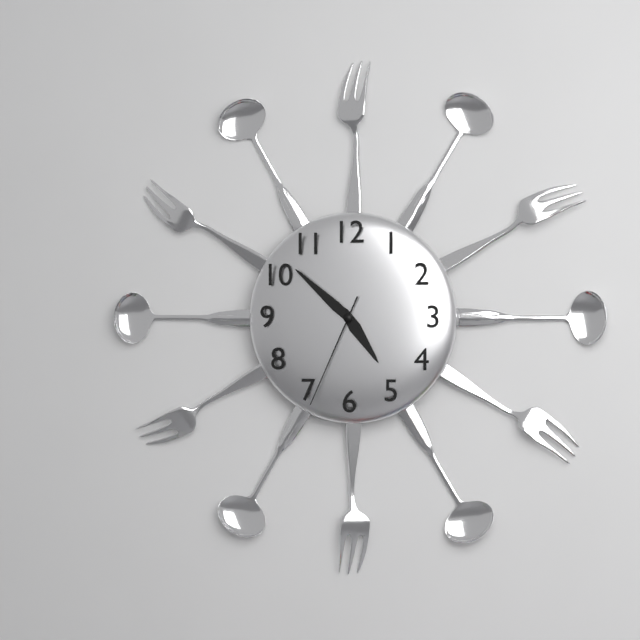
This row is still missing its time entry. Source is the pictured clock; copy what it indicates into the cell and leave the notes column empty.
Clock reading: 4:52:34
